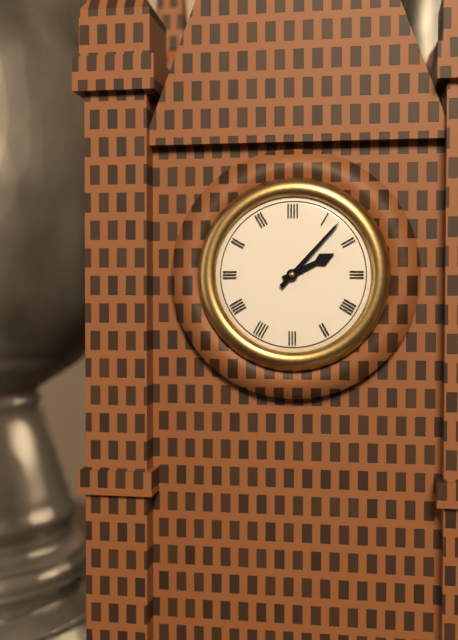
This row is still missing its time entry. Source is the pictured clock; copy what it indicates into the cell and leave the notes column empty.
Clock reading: 2:07
